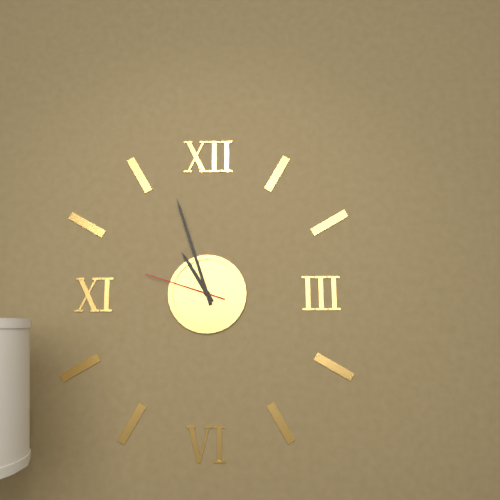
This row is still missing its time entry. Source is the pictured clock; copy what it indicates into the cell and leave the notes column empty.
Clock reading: 10:57:48
